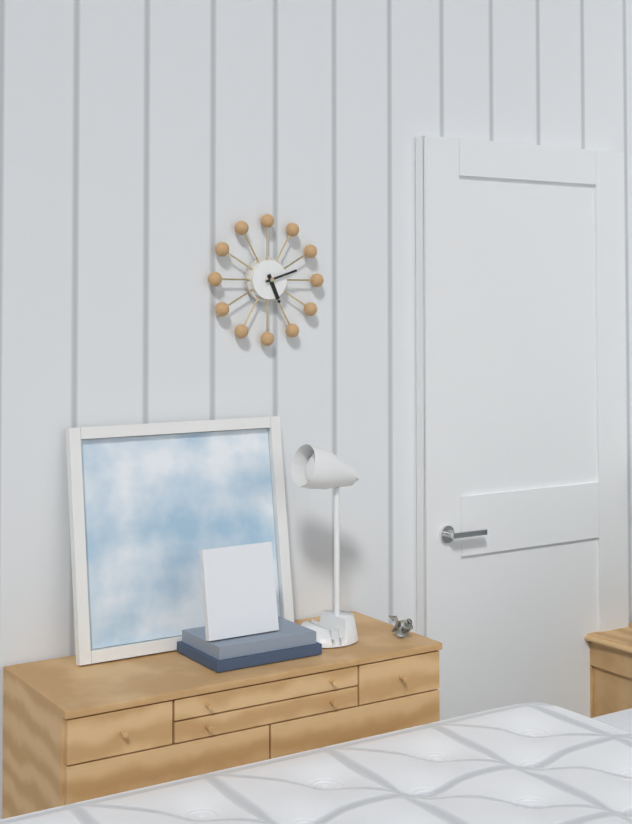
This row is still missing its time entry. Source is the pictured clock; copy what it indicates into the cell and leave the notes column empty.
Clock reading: 5:12
